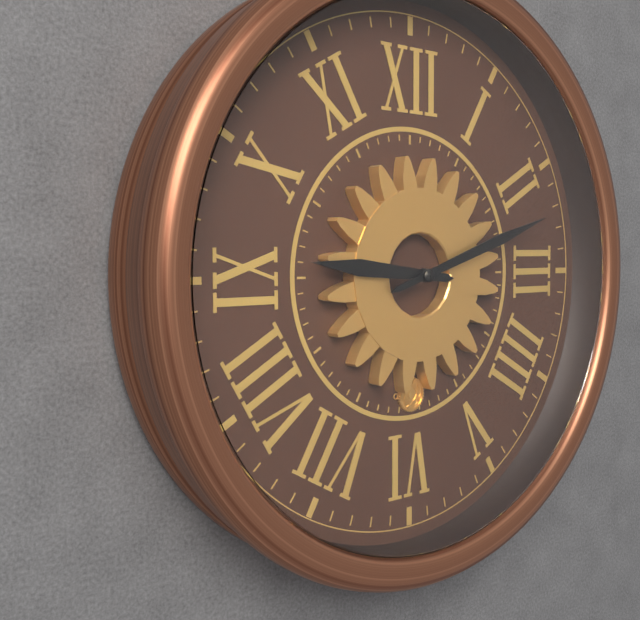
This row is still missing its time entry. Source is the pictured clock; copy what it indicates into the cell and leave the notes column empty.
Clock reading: 9:12
